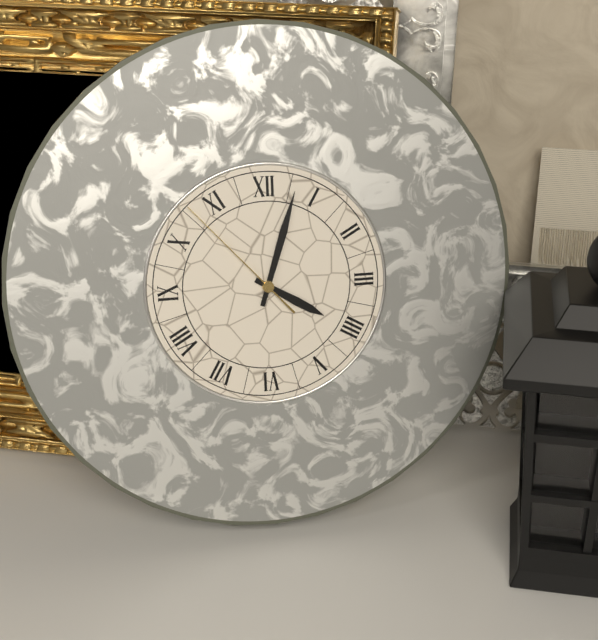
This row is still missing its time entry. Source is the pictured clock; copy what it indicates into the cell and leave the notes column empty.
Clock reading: 4:03:53
